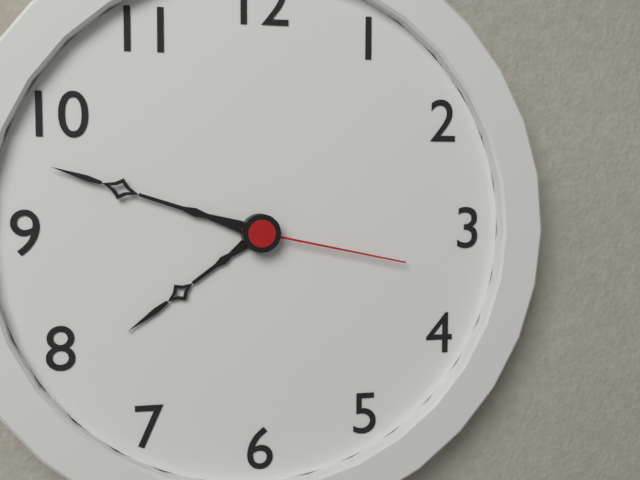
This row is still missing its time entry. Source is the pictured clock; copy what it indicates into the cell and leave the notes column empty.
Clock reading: 7:48:17
